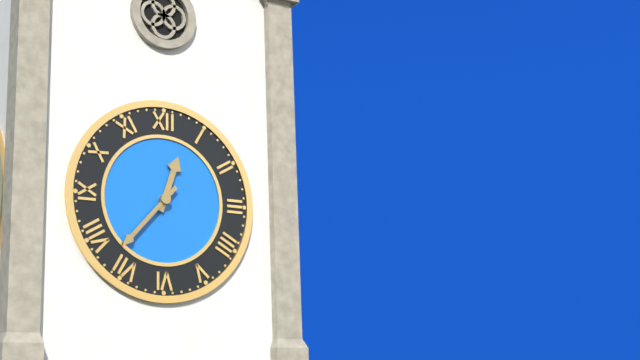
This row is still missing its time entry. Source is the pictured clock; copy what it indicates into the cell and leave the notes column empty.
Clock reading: 12:37
